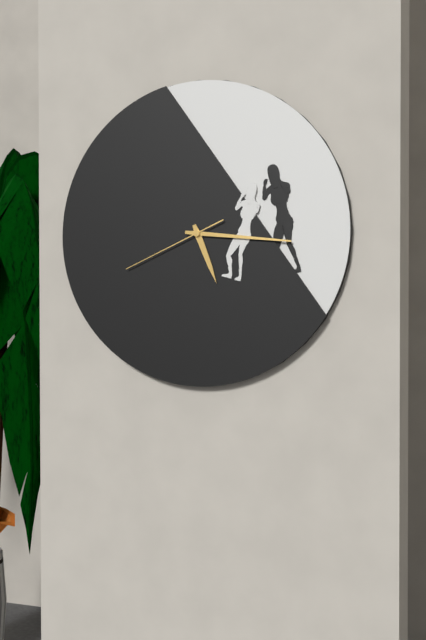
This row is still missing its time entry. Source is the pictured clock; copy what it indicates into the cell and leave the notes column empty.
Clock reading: 5:16:41
